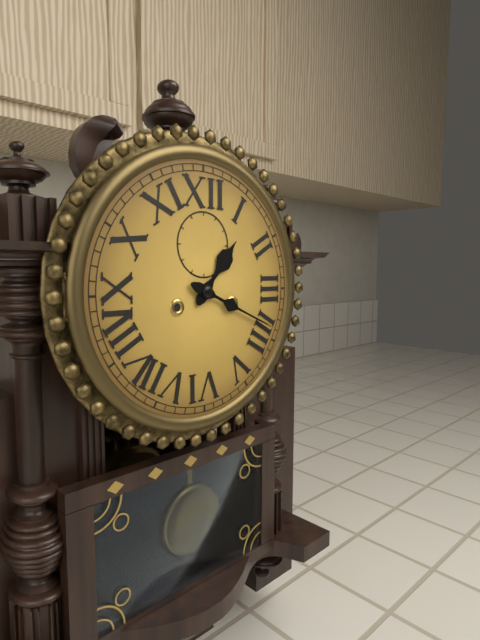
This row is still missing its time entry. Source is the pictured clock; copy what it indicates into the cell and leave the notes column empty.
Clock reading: 1:19
